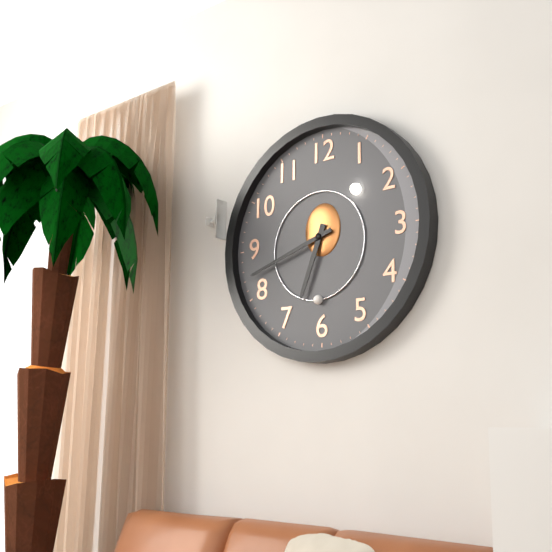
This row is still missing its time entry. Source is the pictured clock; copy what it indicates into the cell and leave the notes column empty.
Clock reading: 6:42
